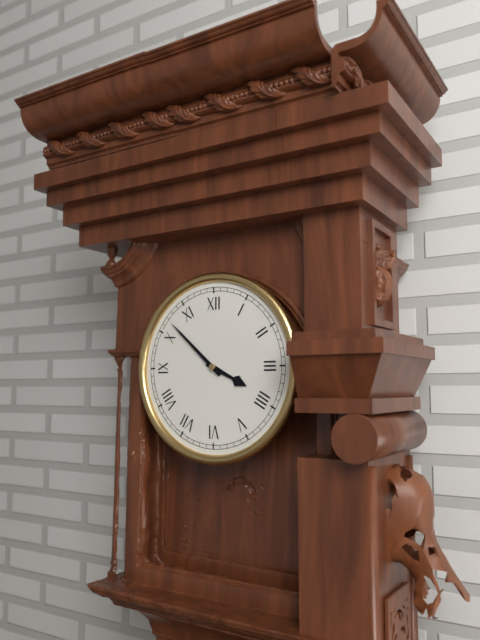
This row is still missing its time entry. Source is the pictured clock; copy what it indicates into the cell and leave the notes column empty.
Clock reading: 3:52
